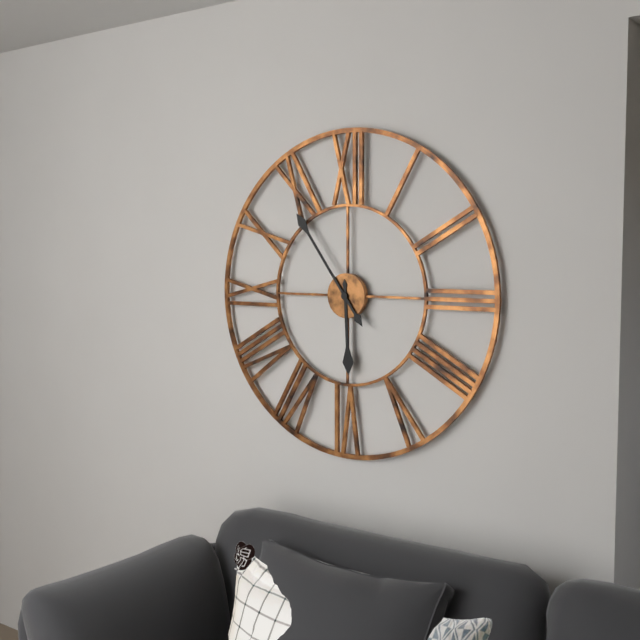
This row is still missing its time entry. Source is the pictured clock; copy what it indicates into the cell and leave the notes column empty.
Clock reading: 5:54
